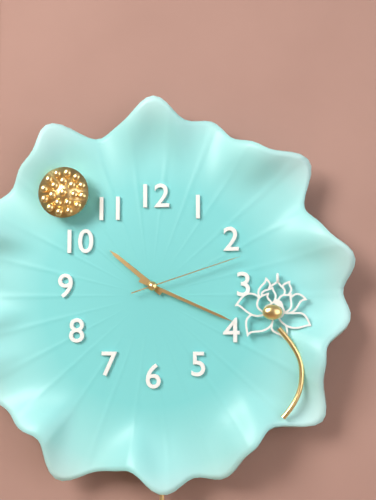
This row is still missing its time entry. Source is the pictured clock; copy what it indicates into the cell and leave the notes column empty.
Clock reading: 10:19:12
